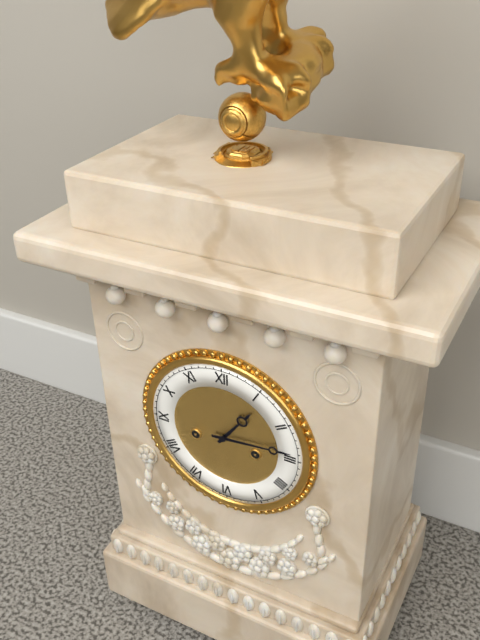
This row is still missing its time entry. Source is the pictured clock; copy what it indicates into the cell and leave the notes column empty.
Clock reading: 1:14
